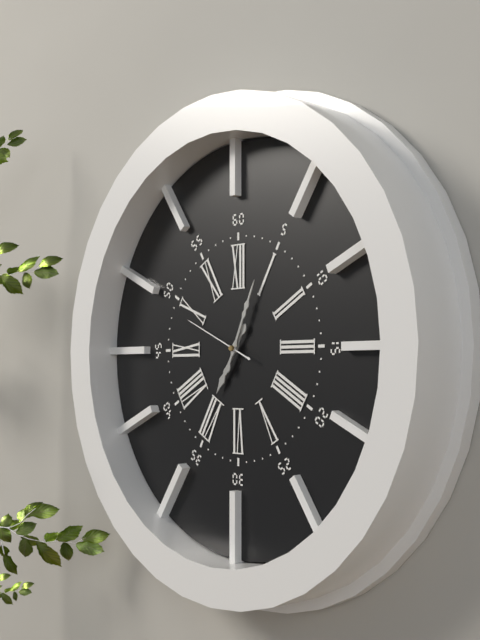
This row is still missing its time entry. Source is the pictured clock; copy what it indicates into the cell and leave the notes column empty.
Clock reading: 7:04:49
